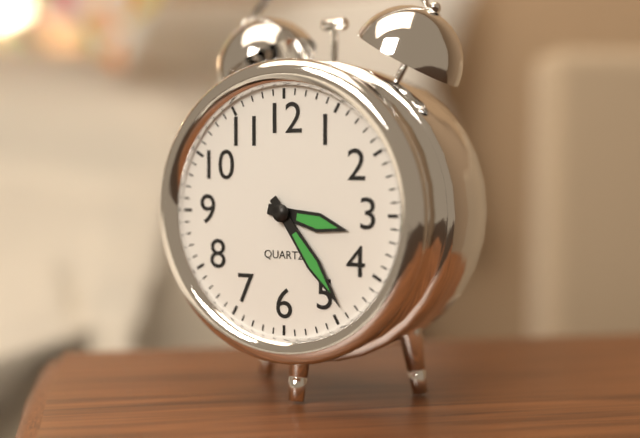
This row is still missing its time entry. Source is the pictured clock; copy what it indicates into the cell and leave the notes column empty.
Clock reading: 3:24
